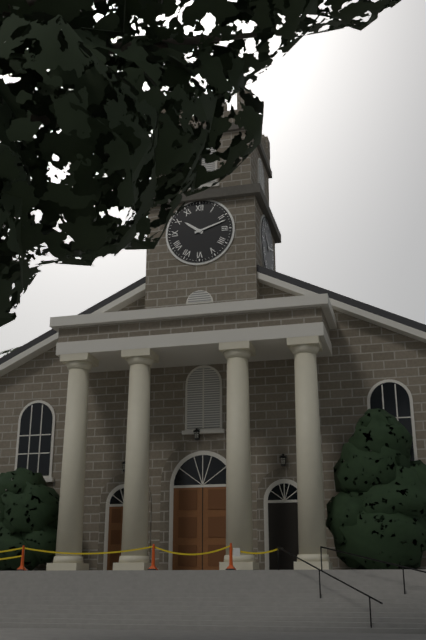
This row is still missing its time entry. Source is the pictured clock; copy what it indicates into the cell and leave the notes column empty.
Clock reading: 10:12
